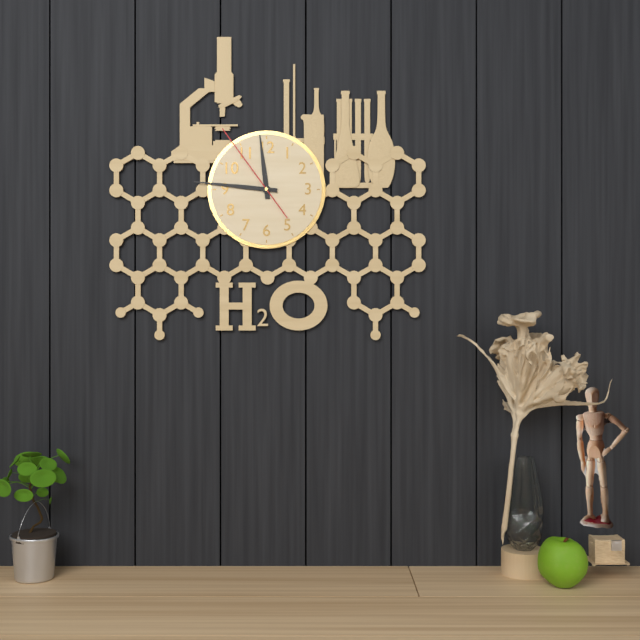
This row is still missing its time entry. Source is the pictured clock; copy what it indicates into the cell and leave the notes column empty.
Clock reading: 11:46:54
